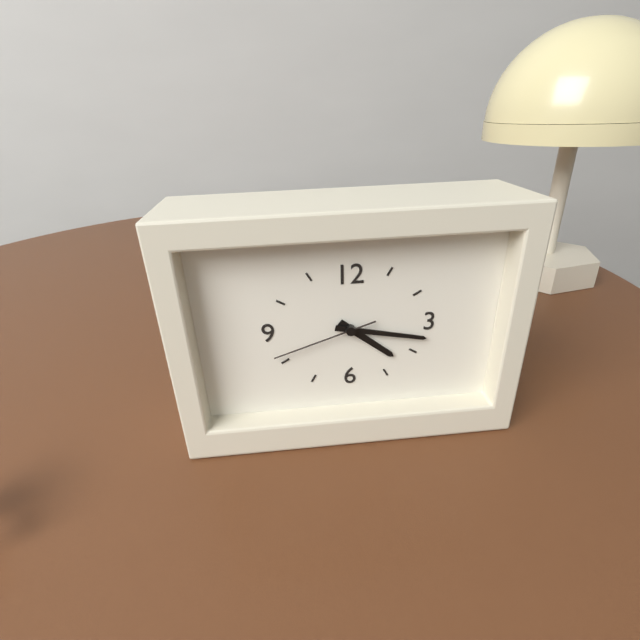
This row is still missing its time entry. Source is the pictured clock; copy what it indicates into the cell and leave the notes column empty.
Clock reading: 4:17:42
